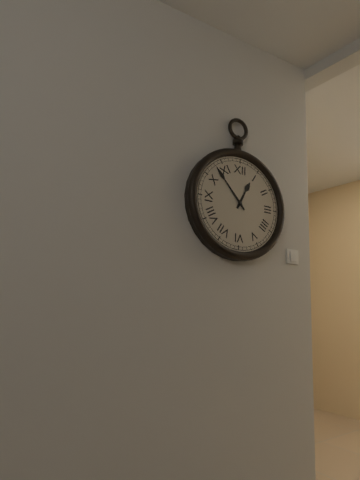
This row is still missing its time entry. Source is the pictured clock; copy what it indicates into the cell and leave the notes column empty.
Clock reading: 12:53
